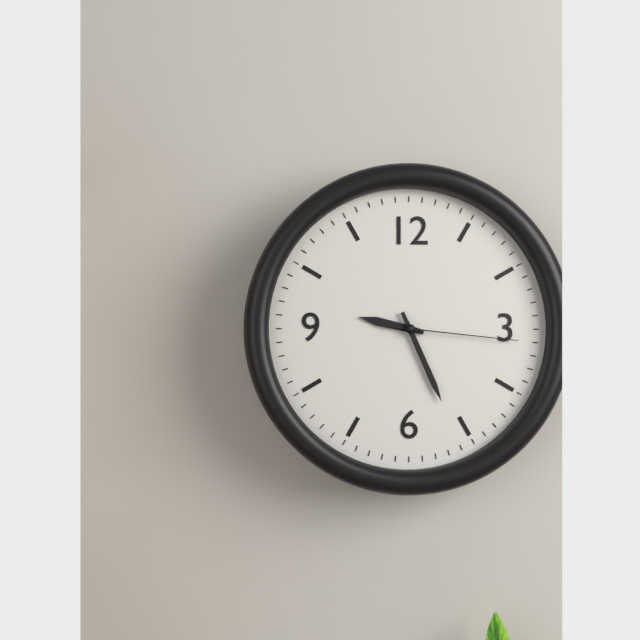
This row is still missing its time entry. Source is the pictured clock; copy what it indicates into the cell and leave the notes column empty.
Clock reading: 9:26:16
